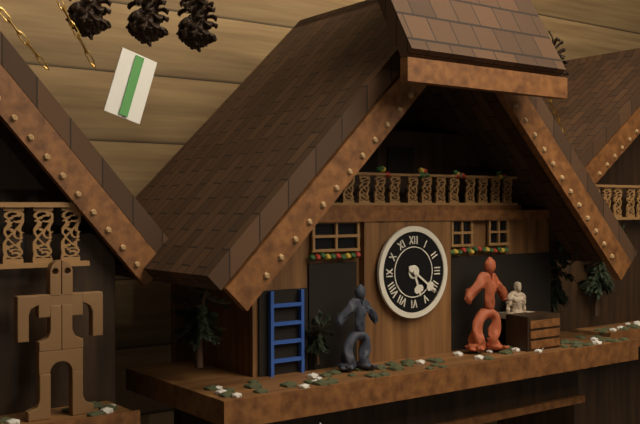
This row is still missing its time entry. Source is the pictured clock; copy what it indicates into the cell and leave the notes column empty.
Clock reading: 5:21
